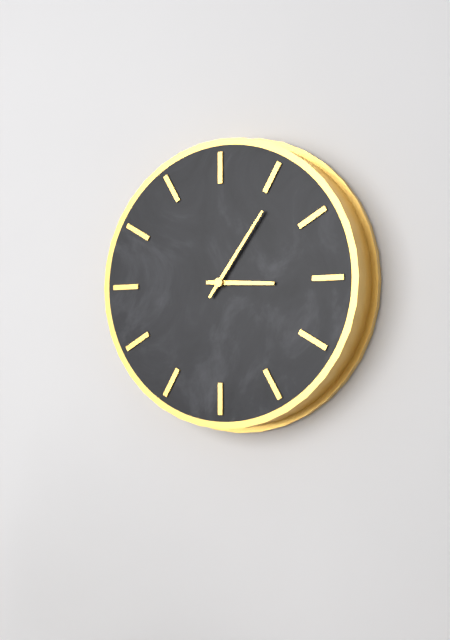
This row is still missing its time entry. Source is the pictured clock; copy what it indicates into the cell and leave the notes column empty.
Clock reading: 3:06
